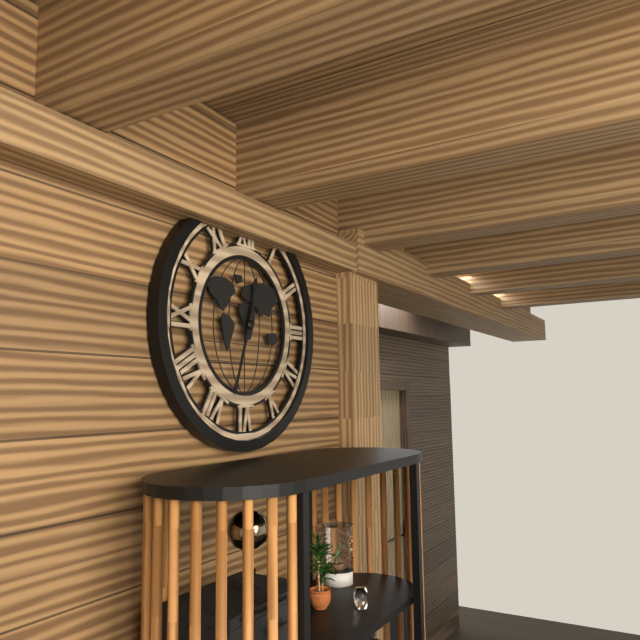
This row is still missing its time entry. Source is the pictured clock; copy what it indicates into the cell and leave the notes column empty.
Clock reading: 12:33
